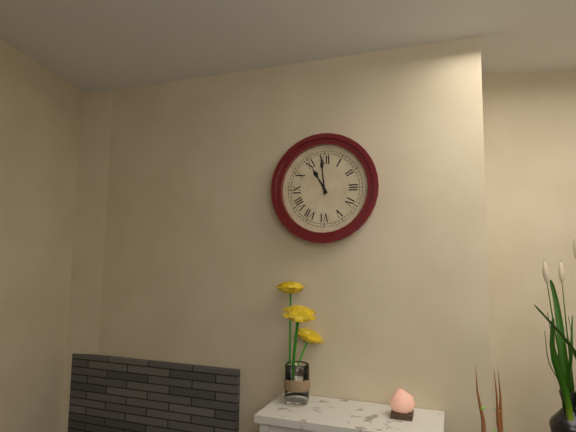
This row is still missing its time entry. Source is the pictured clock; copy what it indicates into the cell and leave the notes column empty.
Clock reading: 10:59
